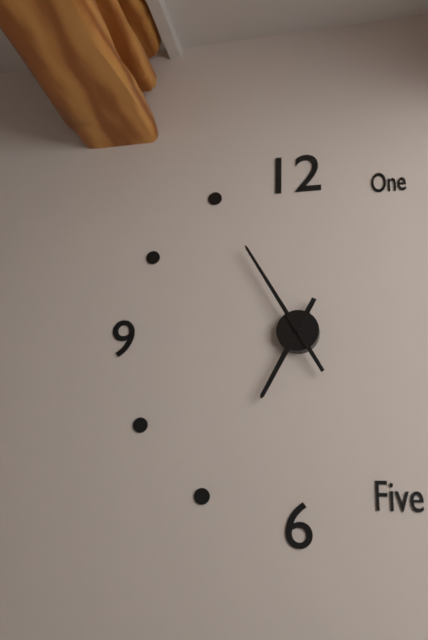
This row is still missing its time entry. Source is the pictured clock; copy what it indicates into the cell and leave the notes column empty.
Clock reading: 6:55
